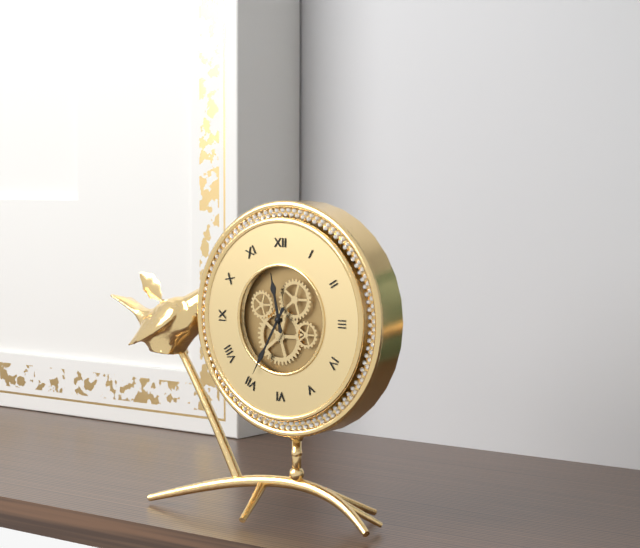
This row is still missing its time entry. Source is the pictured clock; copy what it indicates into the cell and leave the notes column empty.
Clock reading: 11:35
